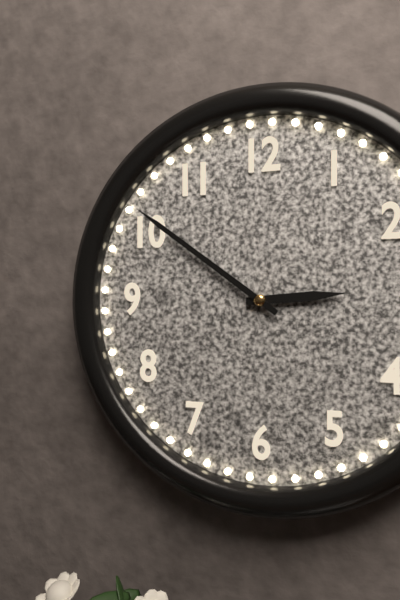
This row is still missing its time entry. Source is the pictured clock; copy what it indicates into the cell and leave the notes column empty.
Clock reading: 2:51
